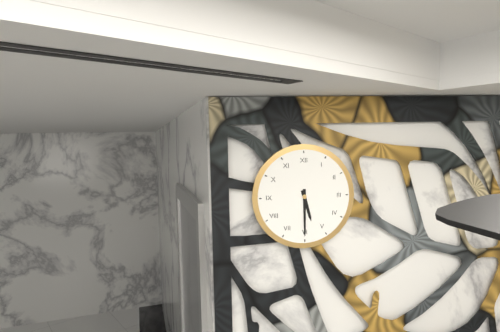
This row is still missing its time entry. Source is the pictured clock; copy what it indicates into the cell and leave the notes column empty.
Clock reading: 5:30
